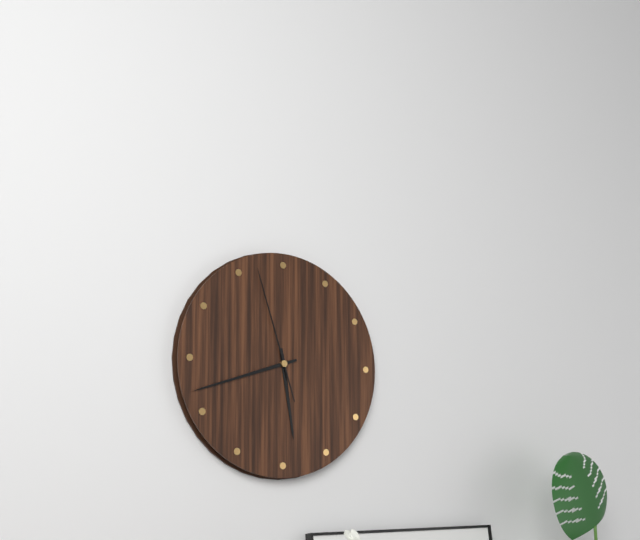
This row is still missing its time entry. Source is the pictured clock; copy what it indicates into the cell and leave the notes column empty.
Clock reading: 5:42:57
